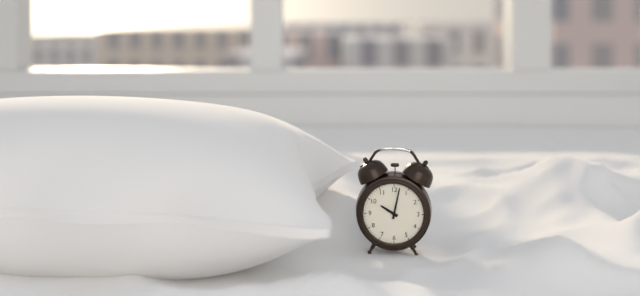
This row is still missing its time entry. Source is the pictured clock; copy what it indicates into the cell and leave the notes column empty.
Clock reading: 10:02
